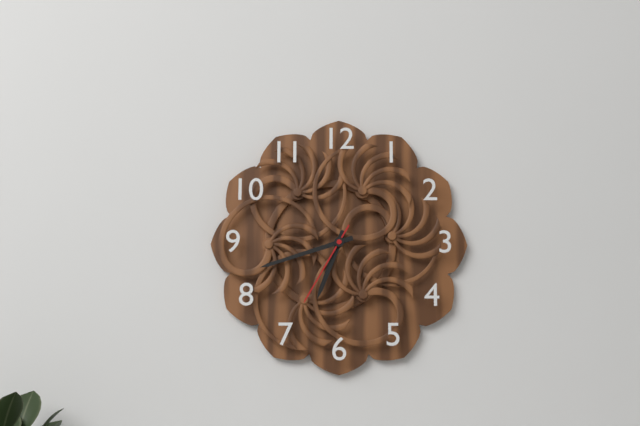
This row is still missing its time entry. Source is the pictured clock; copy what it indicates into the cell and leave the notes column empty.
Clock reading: 6:42:35
